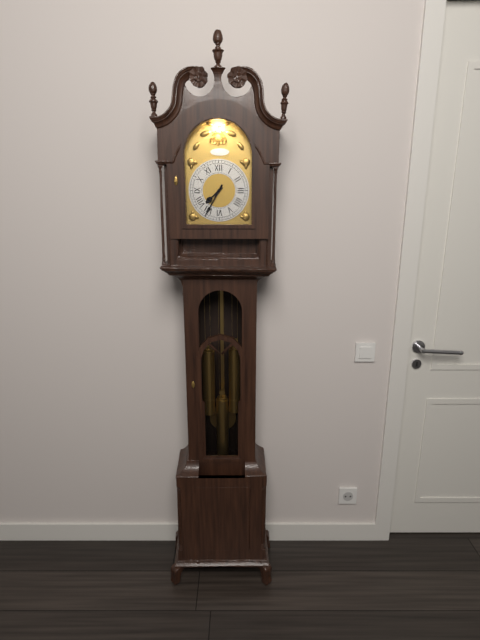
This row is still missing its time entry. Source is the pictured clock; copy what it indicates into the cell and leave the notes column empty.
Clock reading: 7:35
